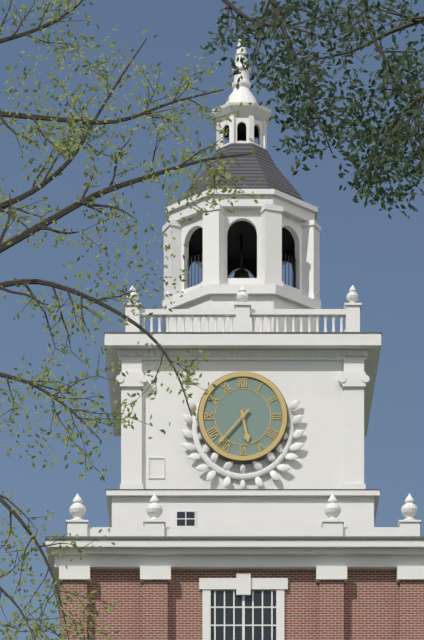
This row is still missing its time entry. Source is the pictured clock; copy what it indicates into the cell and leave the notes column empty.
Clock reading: 5:37
